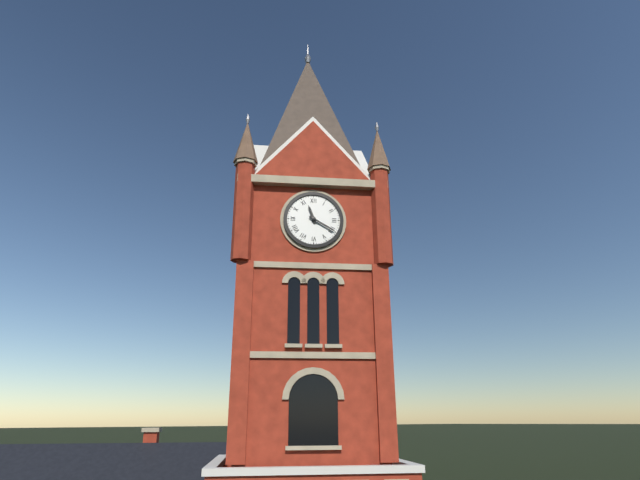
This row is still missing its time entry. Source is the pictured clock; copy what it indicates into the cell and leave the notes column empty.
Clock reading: 11:20
